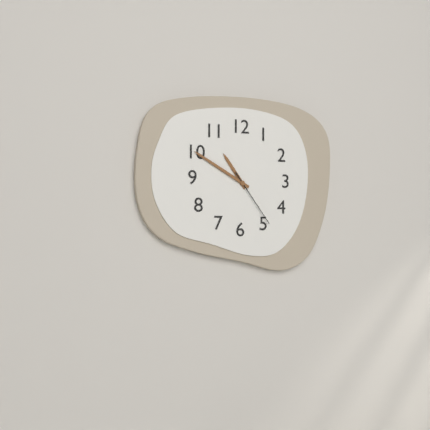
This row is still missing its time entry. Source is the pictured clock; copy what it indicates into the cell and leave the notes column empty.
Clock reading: 10:50:24
